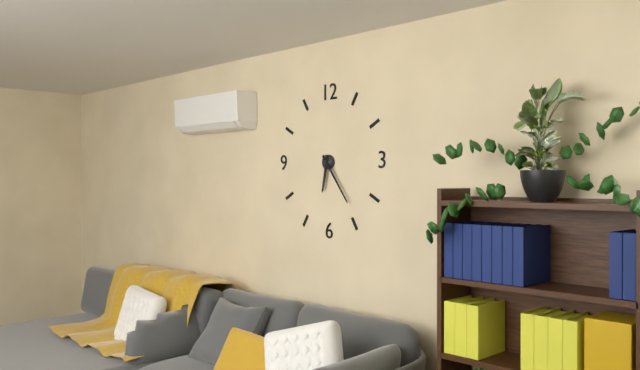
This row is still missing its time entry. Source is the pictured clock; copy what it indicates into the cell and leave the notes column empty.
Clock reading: 6:24
